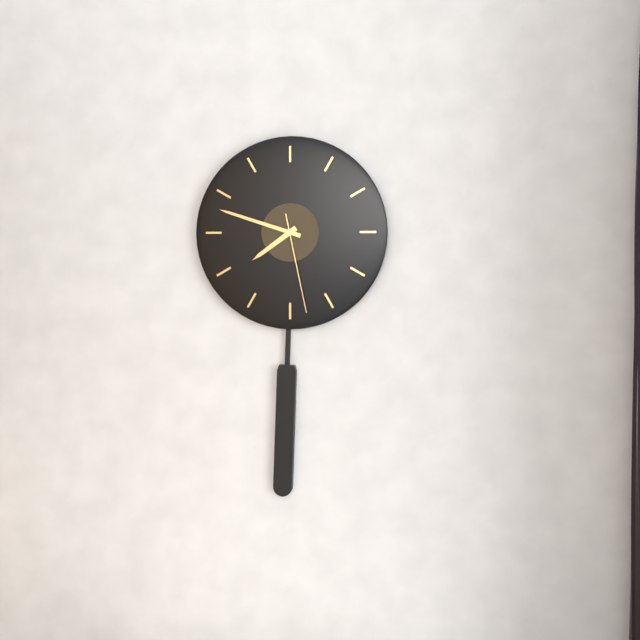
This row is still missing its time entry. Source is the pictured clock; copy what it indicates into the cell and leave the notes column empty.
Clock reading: 7:48:28
